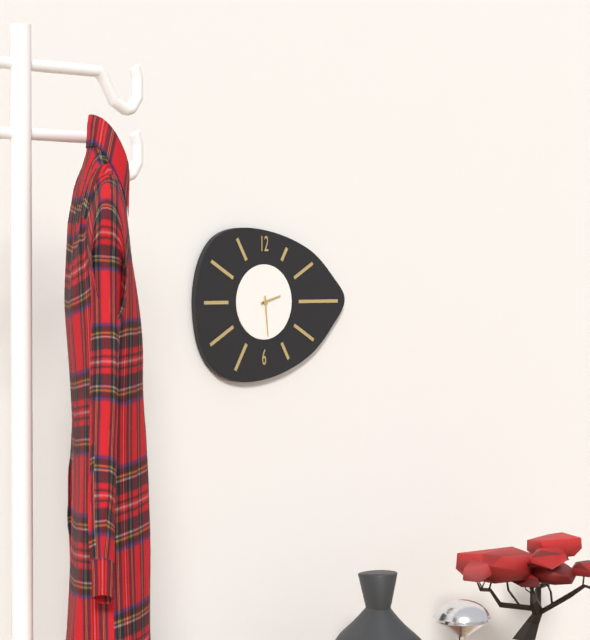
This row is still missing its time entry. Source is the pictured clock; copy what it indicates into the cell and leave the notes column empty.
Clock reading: 2:29
